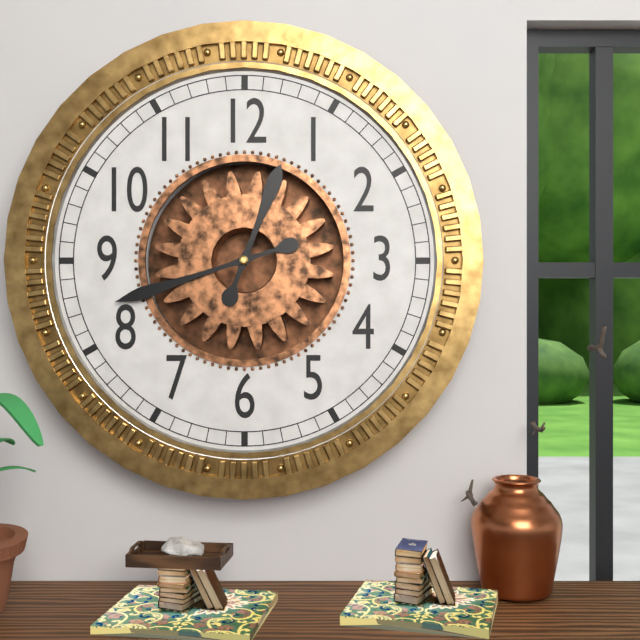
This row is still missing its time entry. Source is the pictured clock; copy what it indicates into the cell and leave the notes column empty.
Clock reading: 12:42
